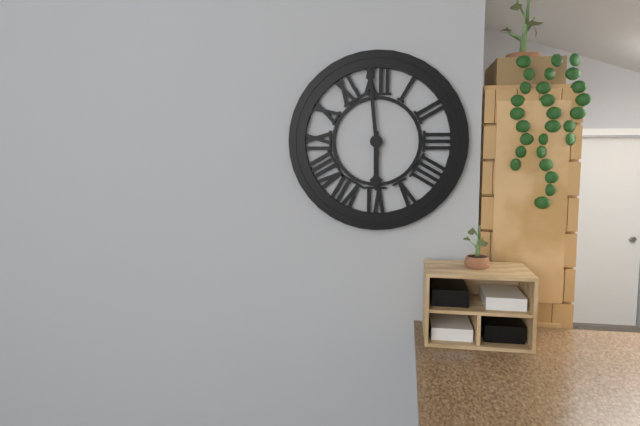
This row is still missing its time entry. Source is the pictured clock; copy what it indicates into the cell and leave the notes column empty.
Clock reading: 5:59
